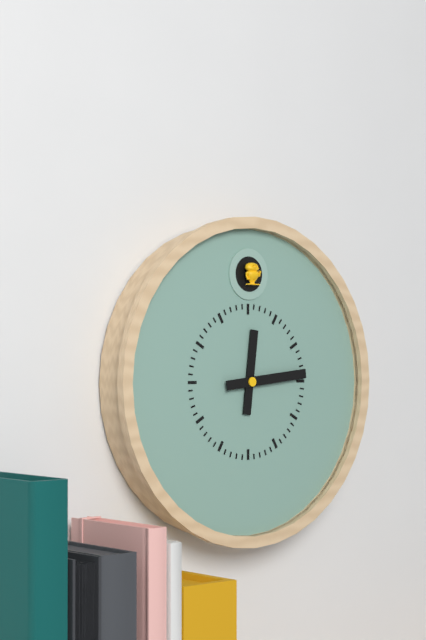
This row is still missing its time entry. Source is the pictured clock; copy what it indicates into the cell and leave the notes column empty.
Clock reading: 12:14
